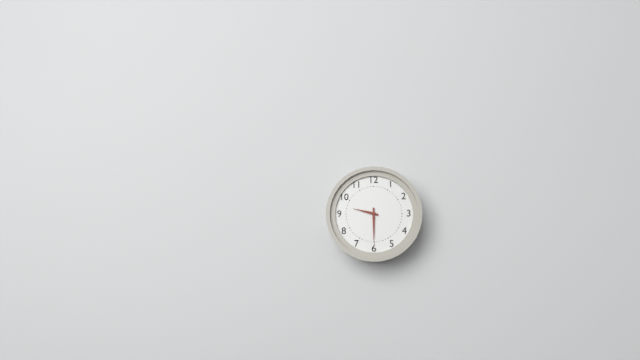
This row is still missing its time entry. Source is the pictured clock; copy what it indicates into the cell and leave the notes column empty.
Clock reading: 9:30
